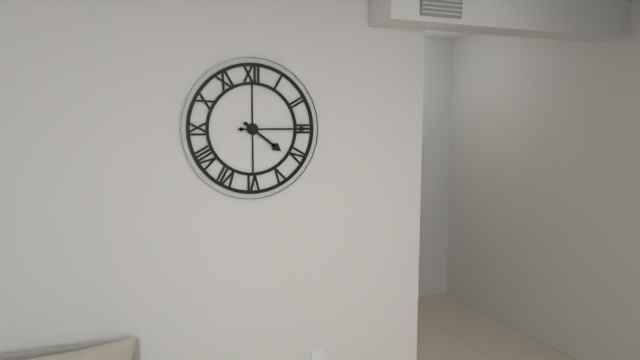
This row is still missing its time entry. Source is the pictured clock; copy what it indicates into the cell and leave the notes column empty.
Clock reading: 4:15
